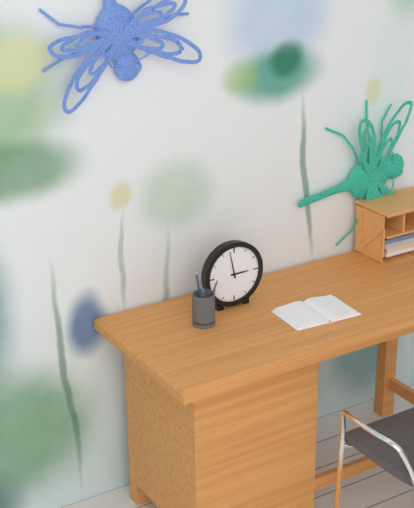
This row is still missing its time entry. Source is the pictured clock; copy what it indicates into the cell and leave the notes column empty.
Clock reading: 2:58
